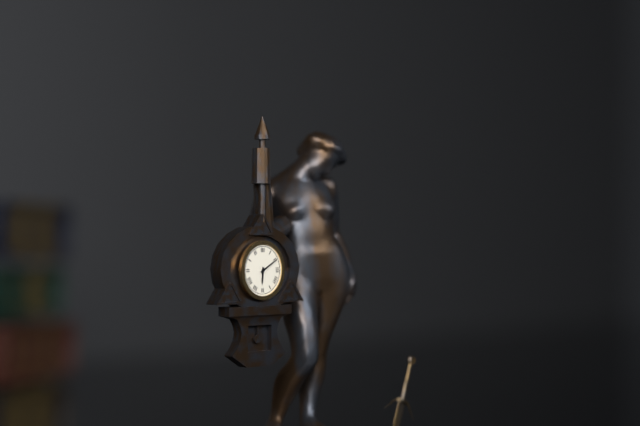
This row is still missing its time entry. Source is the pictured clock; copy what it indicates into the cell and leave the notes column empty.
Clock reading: 6:10
